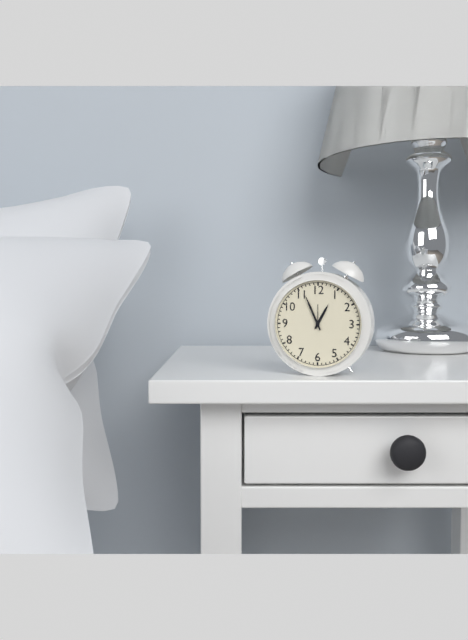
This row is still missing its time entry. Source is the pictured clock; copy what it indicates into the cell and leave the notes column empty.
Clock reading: 12:56
